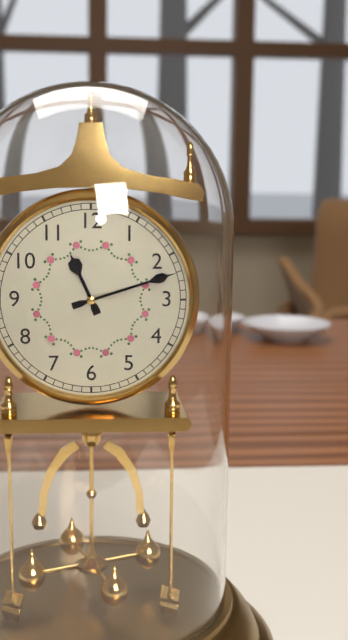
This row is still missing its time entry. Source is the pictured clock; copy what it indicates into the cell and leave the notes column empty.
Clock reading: 11:12
